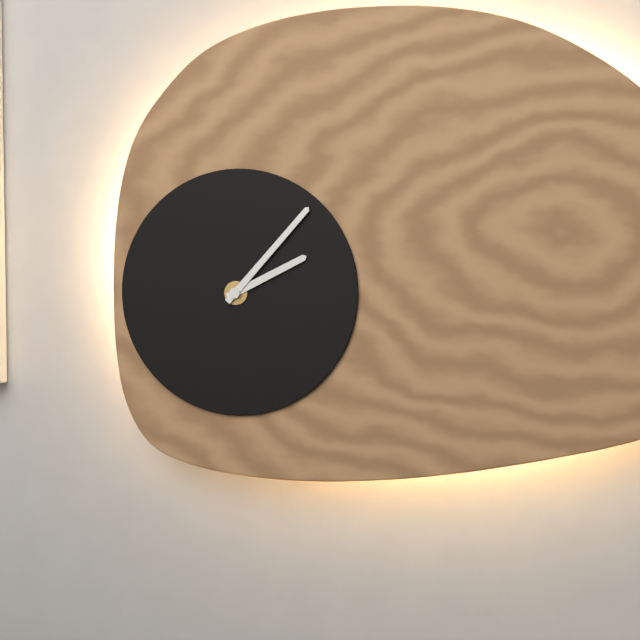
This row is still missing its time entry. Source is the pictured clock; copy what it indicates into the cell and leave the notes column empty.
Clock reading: 2:07
